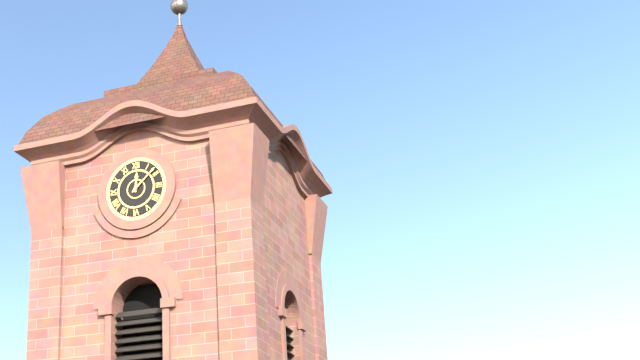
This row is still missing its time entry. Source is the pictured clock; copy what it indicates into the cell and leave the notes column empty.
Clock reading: 12:08
